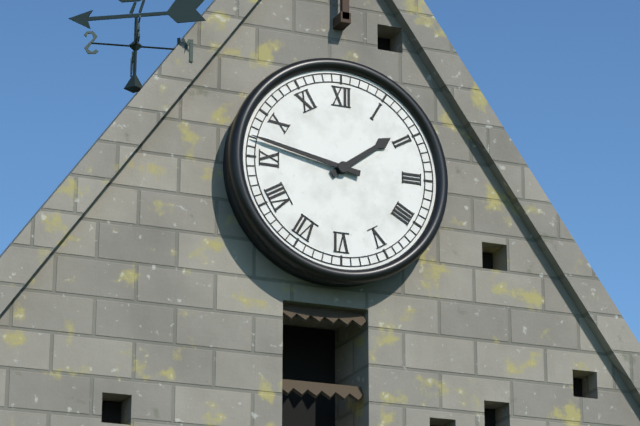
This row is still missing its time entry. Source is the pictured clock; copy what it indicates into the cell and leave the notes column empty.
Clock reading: 1:47
